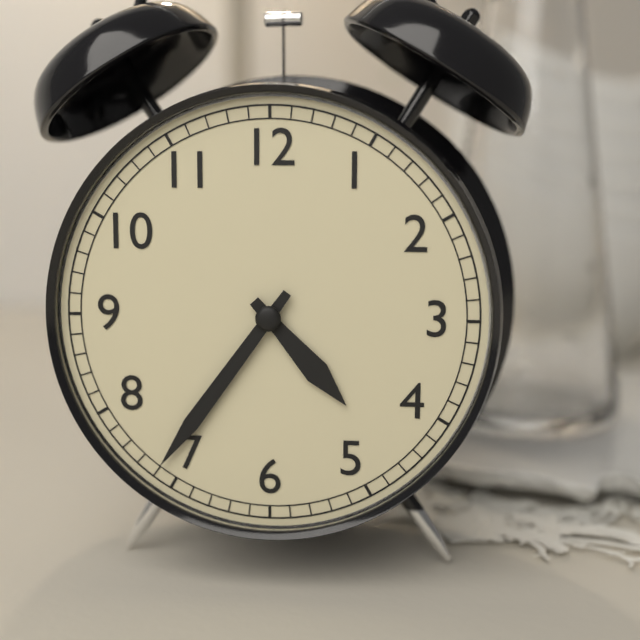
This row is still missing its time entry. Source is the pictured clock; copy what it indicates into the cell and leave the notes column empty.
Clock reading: 4:36
